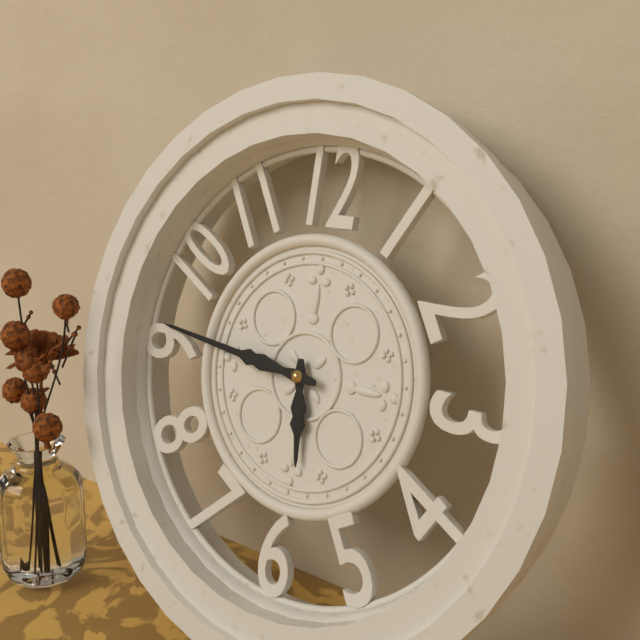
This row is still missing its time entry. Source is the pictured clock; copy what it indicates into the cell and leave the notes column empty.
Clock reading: 5:46
